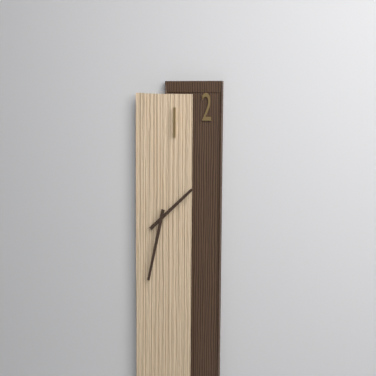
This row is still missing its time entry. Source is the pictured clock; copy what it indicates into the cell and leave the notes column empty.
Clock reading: 1:32
